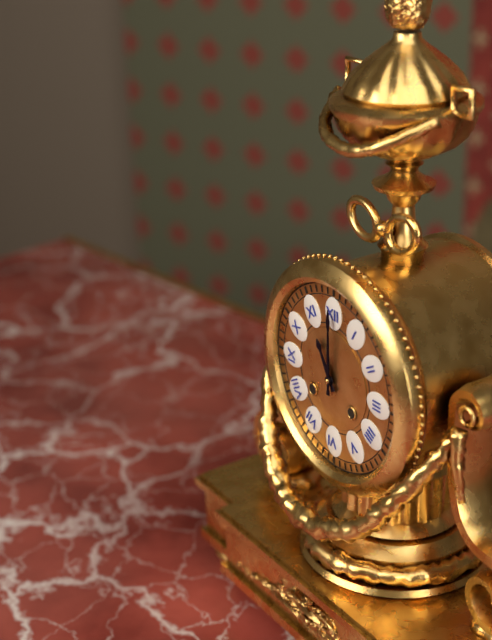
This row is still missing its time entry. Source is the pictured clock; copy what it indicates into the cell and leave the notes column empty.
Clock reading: 11:00
